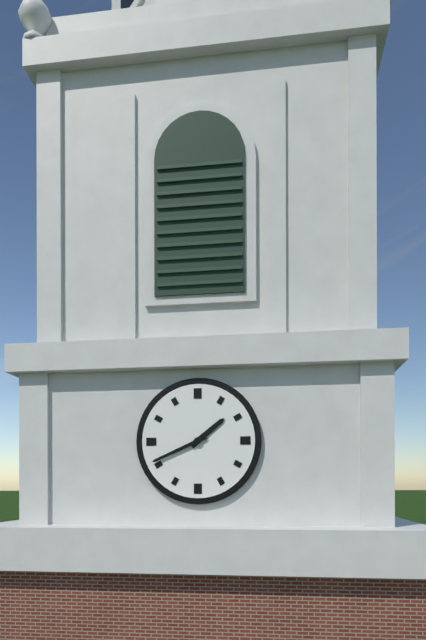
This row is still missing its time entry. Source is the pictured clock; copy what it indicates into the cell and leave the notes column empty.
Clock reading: 1:41
